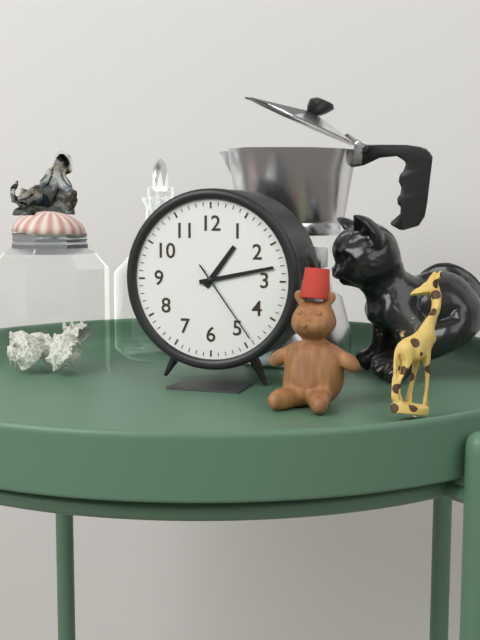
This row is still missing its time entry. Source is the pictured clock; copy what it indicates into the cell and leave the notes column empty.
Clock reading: 1:13:24
